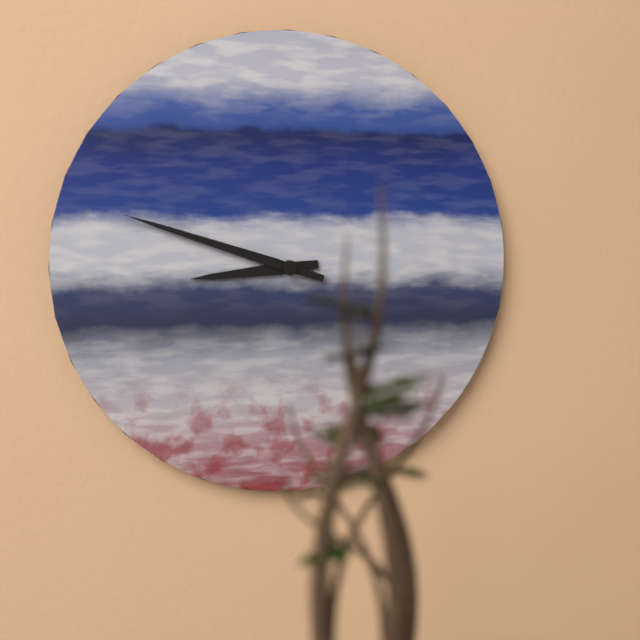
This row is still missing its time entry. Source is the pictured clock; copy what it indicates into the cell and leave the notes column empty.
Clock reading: 8:48
